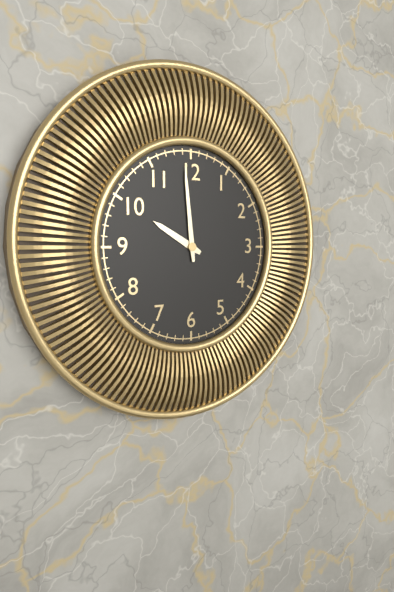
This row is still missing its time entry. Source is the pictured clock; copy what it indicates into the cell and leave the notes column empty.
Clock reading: 9:59
